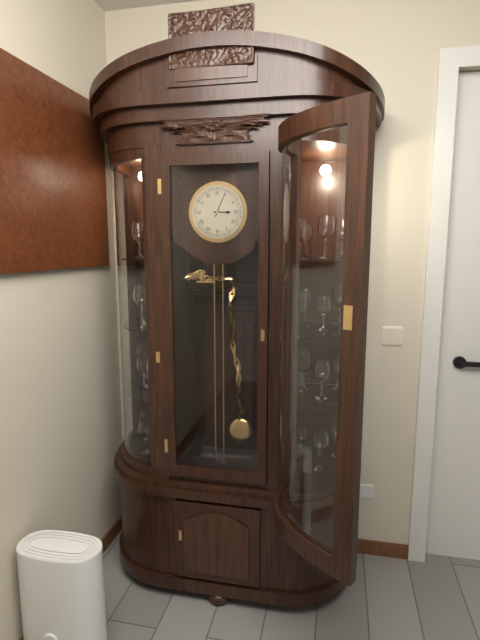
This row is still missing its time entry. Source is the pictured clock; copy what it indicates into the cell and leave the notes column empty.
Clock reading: 3:04
